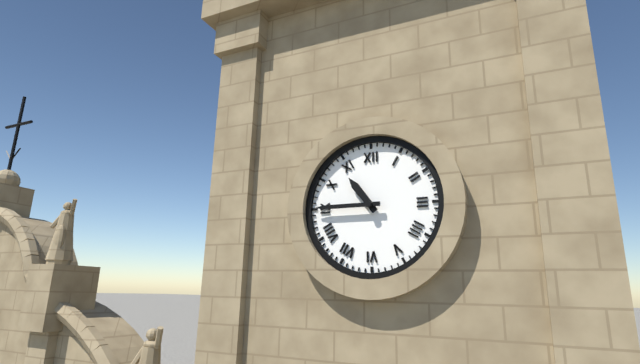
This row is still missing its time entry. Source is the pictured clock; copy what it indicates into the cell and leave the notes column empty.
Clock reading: 10:45
